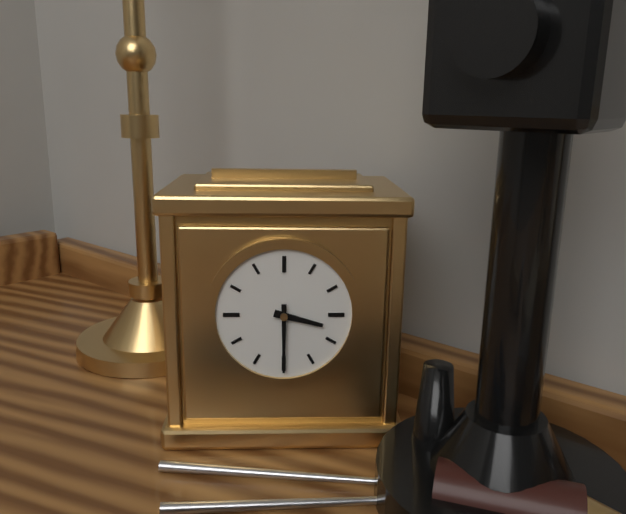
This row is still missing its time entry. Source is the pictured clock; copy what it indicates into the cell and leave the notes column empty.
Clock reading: 3:30
